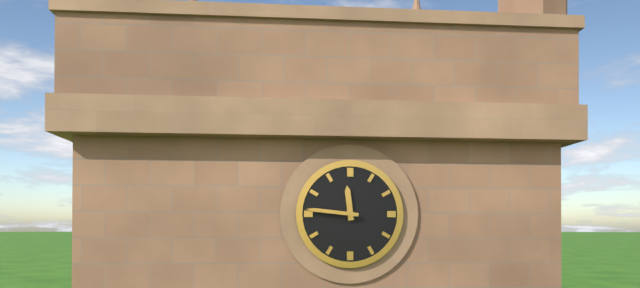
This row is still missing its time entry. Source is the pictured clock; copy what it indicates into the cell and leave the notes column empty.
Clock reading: 11:46
